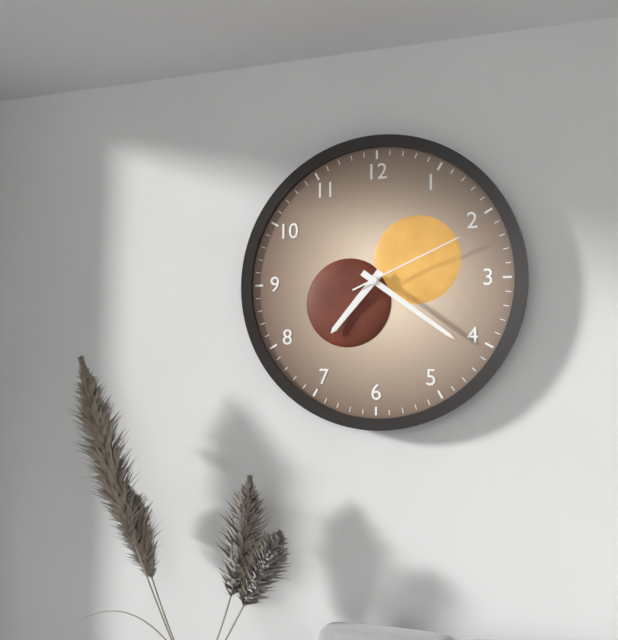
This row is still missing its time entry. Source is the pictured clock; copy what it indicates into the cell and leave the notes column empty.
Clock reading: 7:21:11
